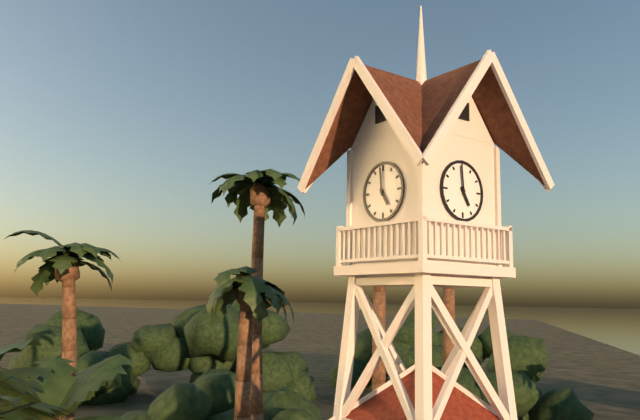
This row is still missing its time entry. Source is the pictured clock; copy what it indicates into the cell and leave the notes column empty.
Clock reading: 4:59
